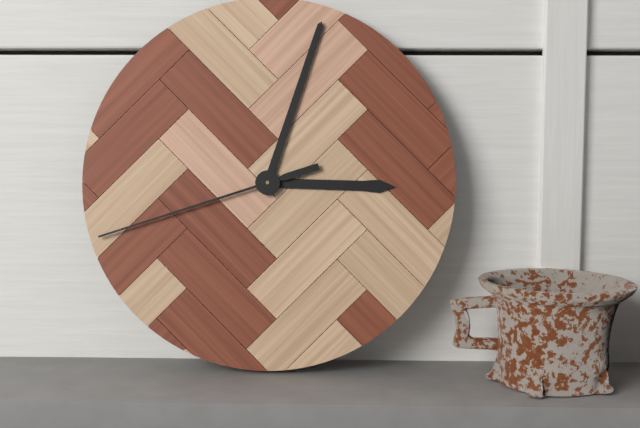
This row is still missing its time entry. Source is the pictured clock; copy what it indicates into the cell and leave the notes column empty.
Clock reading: 3:03:42
